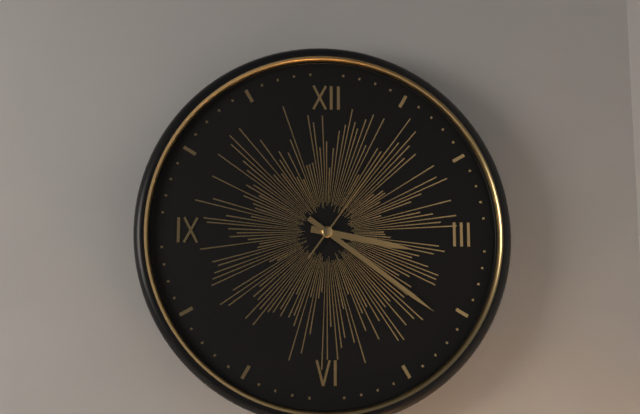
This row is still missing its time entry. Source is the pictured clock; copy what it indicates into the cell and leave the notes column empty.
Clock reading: 3:21:06
